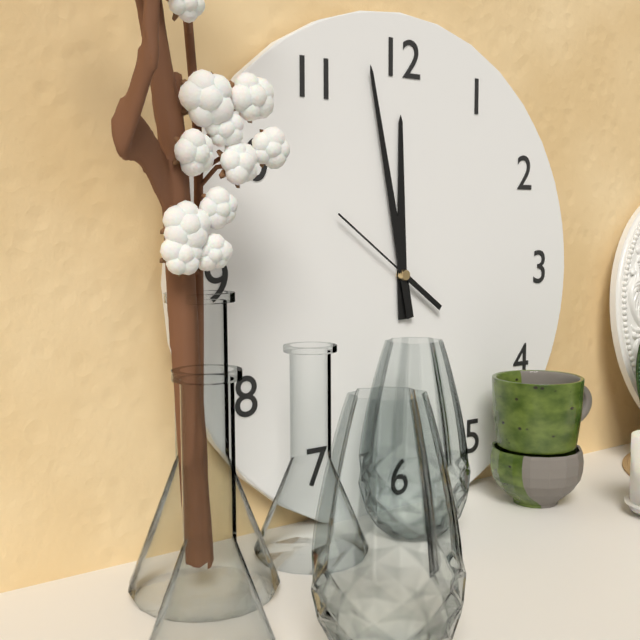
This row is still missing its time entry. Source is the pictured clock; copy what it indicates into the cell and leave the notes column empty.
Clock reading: 11:58:51
